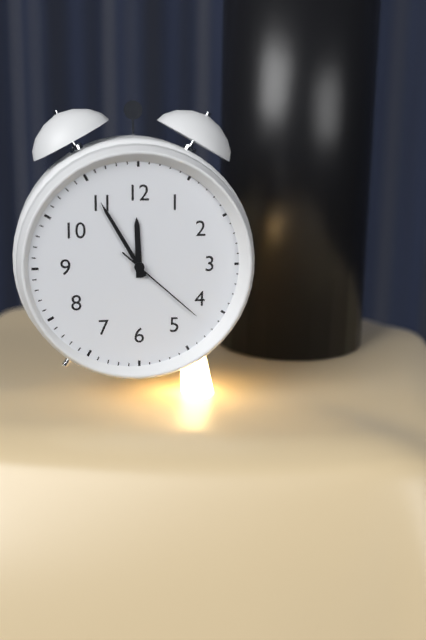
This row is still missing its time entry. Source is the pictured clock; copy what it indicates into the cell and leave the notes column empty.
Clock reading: 11:55:22
